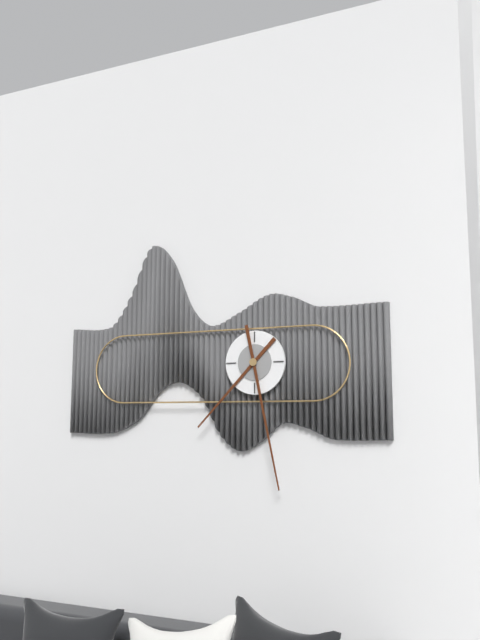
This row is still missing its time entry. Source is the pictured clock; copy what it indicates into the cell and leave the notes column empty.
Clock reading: 7:28
